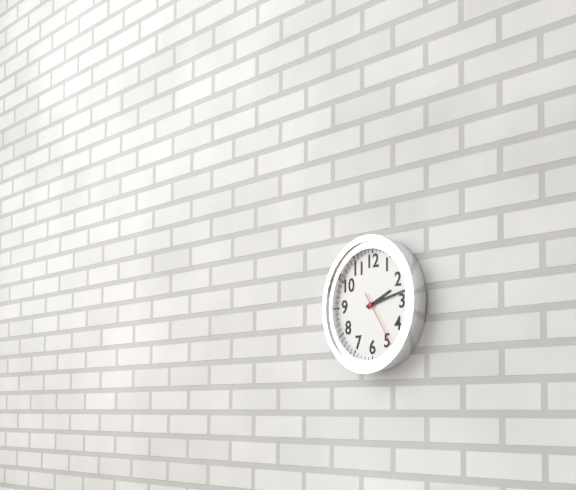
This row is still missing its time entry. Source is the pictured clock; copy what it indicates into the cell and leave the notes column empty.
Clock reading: 2:13:24
